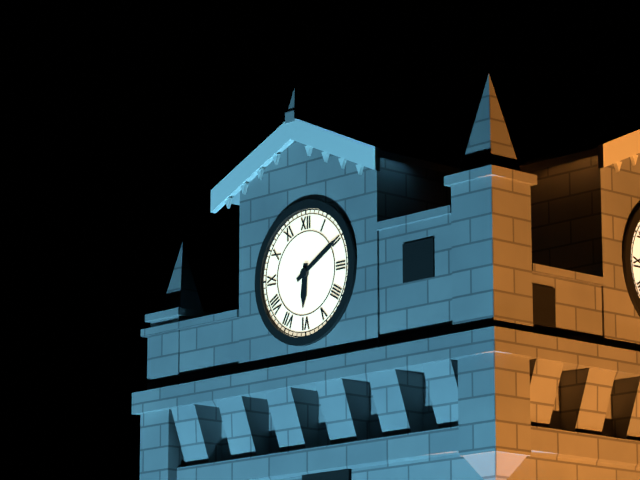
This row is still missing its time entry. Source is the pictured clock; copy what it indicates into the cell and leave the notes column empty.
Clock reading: 6:10
